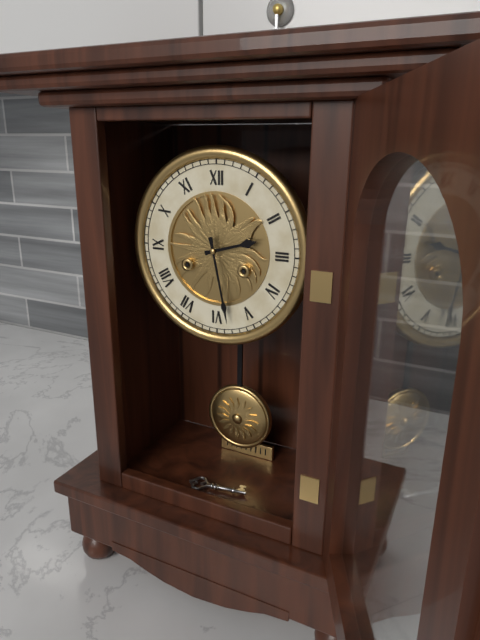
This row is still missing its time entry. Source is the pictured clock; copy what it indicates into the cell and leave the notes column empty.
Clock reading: 2:28
